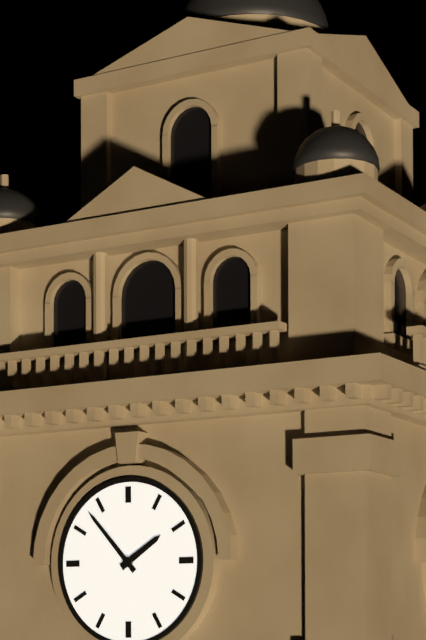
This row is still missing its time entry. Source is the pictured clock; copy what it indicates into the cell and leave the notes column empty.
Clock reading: 1:53
